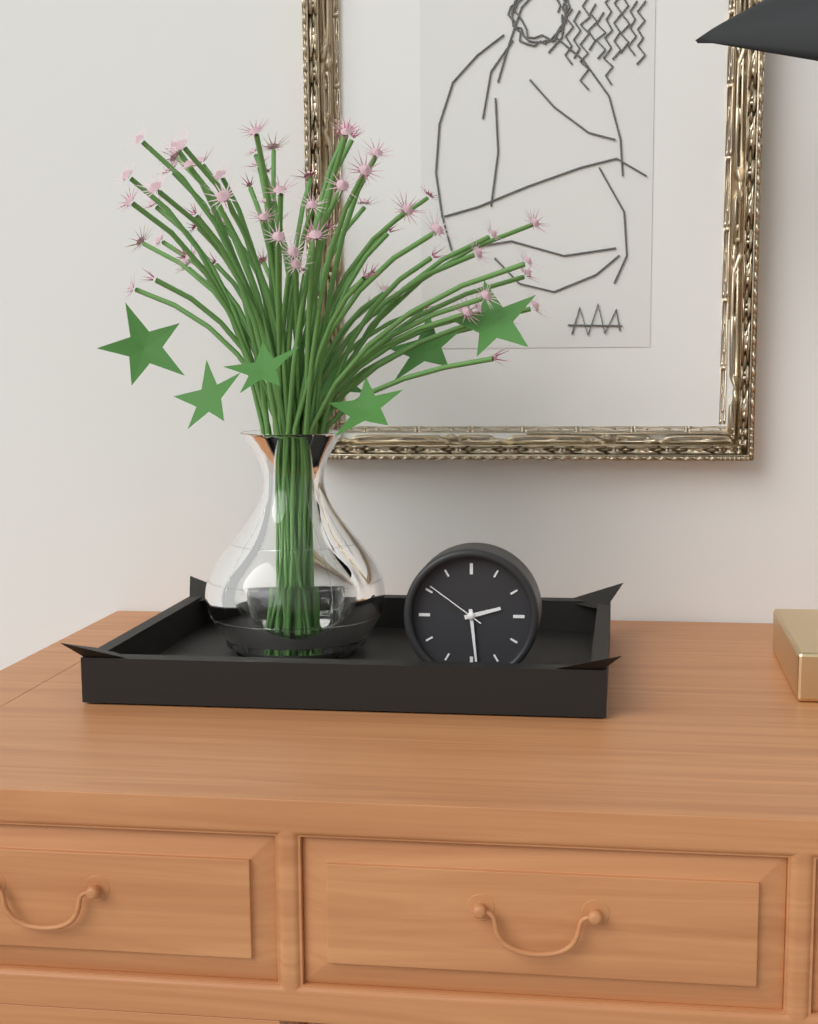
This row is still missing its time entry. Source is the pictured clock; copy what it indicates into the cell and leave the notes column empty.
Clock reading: 2:29:51
